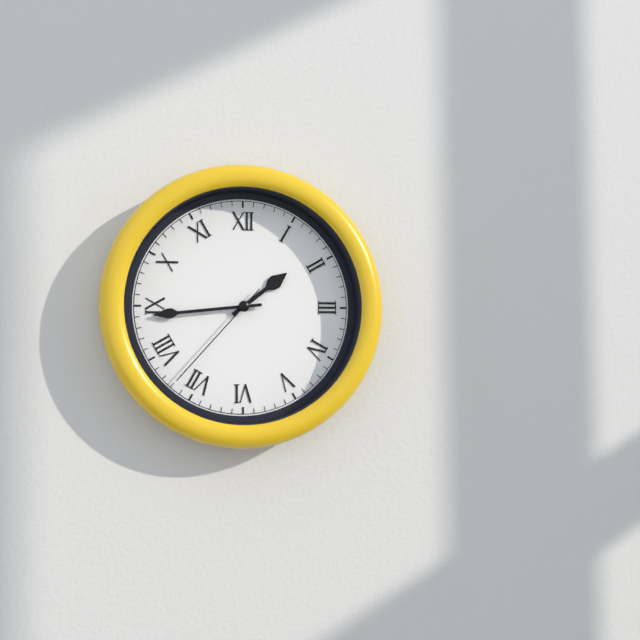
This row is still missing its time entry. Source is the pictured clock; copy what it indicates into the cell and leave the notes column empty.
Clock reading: 1:44:37
